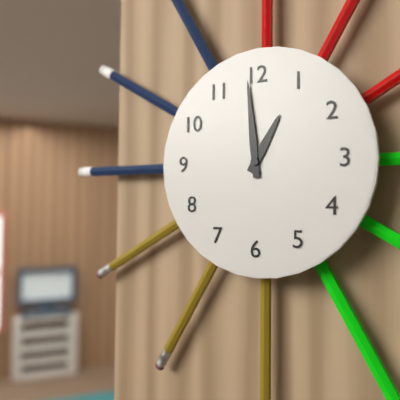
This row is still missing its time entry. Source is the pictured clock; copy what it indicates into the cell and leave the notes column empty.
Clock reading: 12:59
